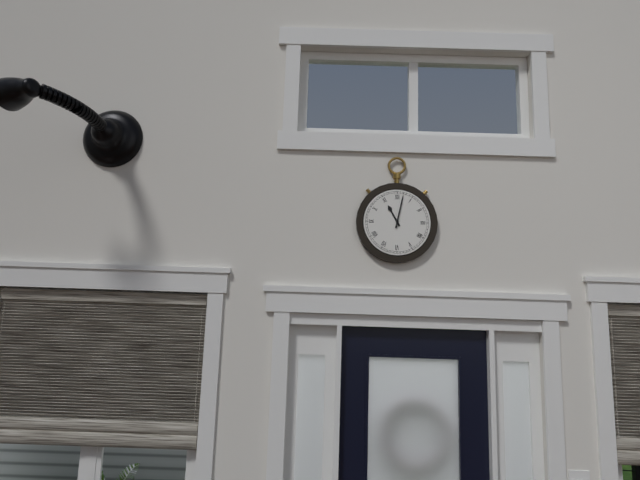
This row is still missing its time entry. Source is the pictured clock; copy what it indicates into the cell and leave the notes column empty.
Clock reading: 11:02
